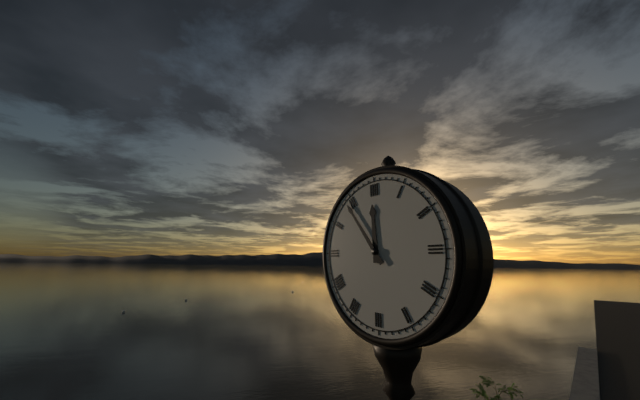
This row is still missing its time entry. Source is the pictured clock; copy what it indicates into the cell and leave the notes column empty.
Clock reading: 11:54
